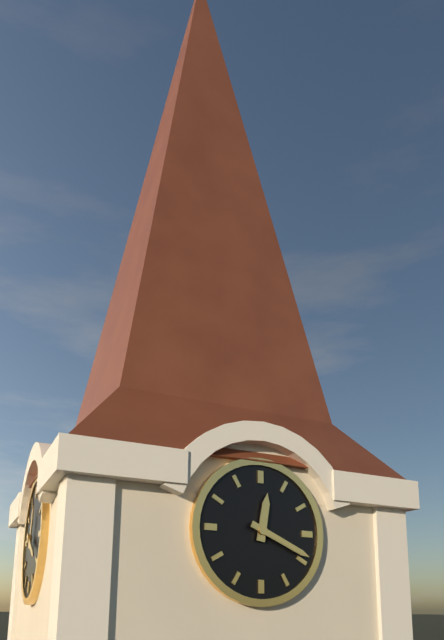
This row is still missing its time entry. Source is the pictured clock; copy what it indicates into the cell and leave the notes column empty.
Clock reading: 12:19
